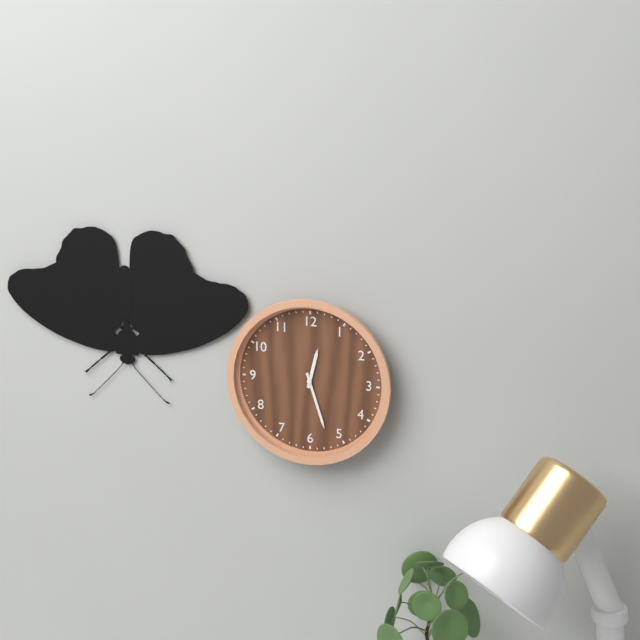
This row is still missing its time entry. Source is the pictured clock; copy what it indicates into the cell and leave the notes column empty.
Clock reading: 12:27
